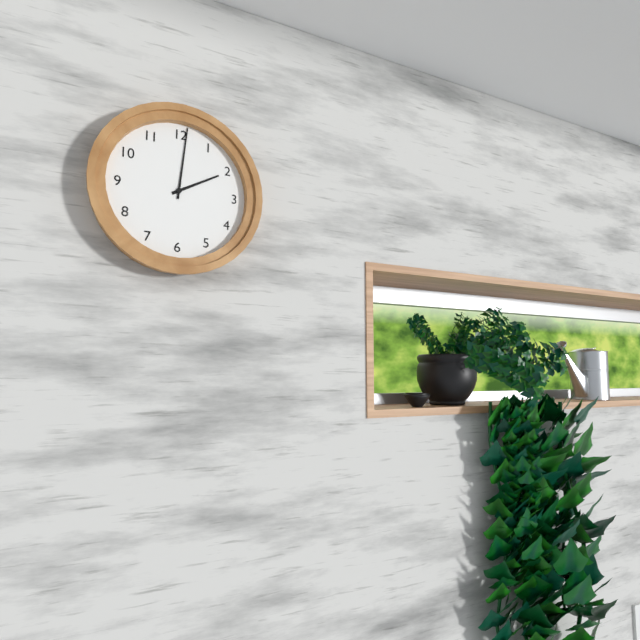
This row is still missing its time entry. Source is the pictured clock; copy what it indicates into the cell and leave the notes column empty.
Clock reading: 2:01
